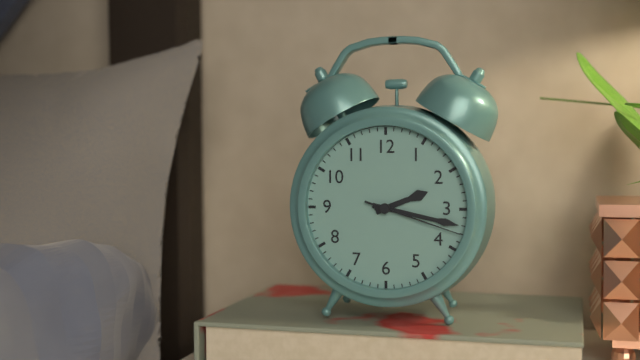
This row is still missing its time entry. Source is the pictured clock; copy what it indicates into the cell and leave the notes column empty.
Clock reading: 2:17:18
